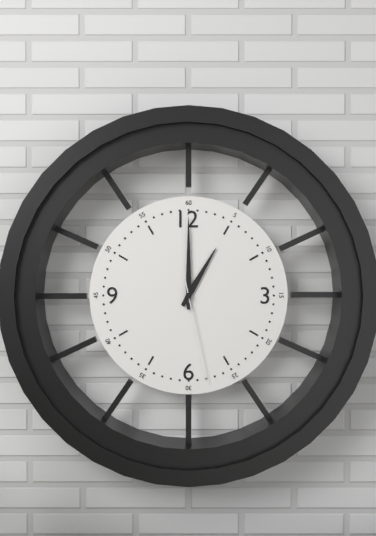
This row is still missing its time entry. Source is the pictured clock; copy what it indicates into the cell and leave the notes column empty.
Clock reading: 1:00:28
